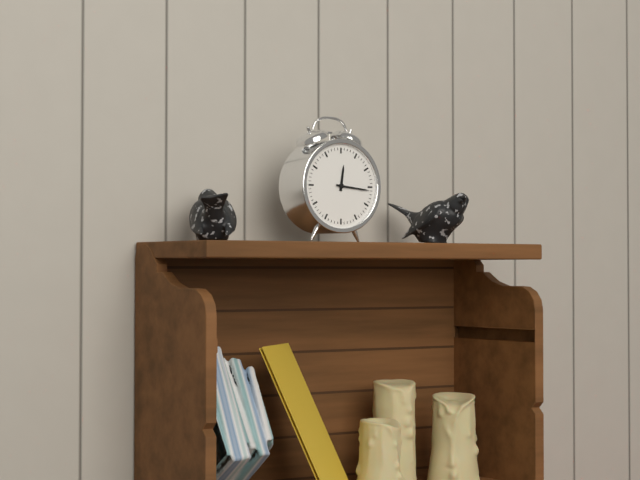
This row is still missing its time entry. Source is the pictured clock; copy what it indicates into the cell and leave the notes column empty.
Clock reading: 12:16
